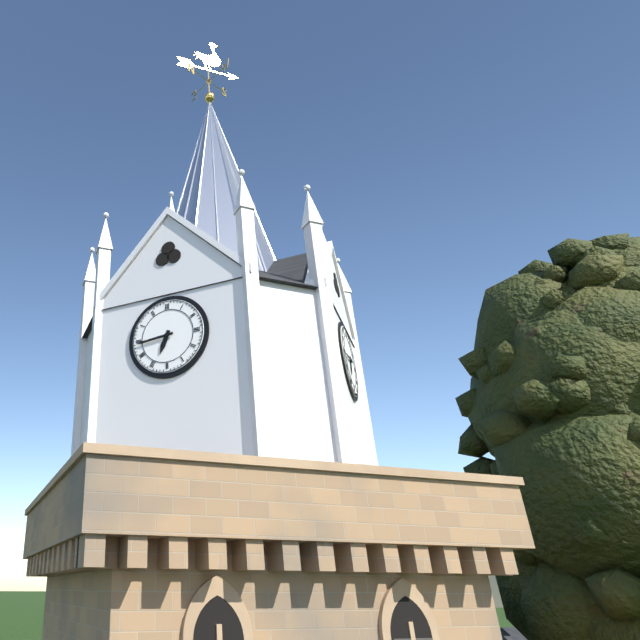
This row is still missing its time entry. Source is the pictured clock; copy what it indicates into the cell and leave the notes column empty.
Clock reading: 6:44
